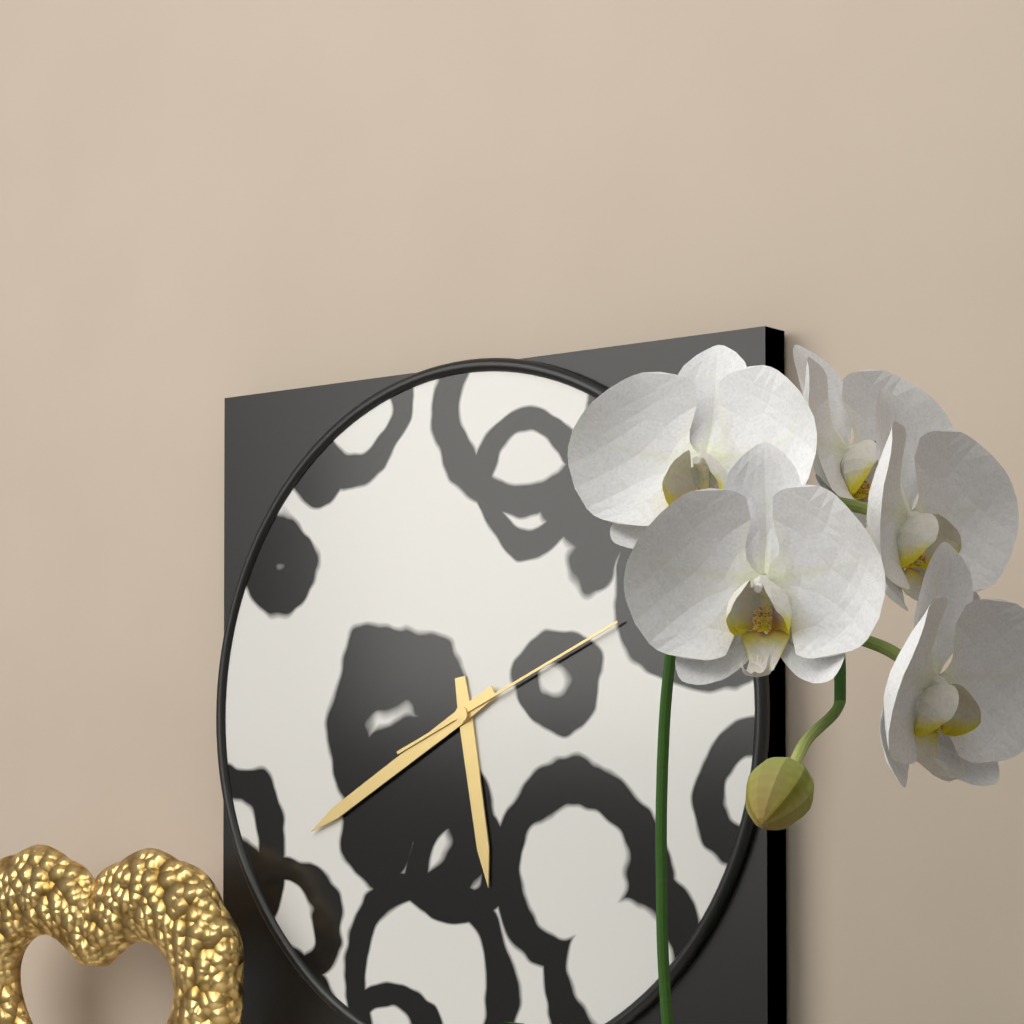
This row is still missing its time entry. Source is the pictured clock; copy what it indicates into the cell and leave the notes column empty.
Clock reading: 5:40:11
